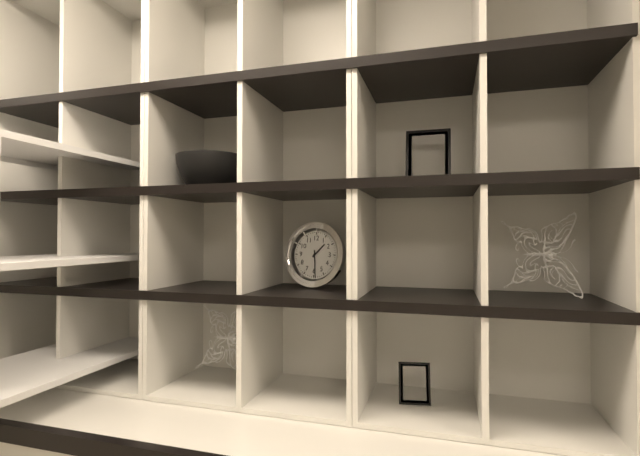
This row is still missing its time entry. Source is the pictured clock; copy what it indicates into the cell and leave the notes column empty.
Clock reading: 1:29
